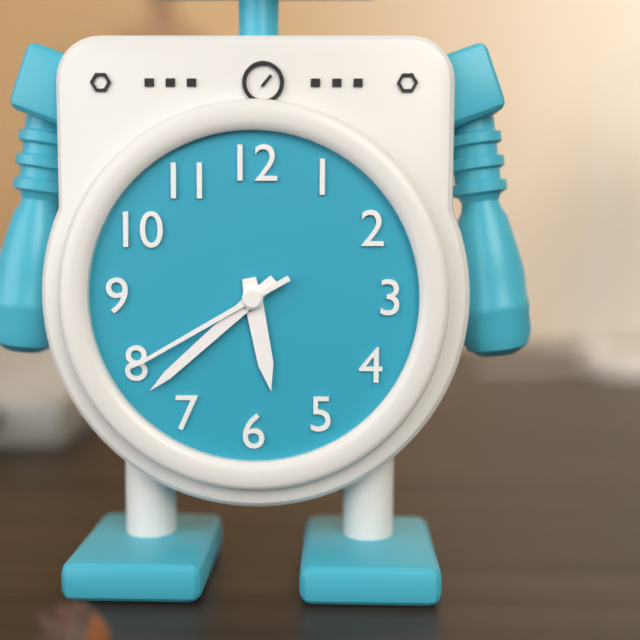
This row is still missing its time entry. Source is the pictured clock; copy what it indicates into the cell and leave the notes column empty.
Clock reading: 5:38:40
